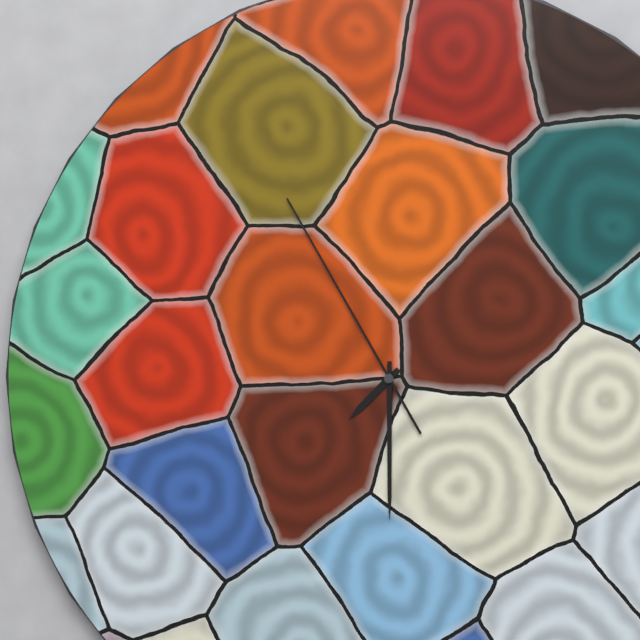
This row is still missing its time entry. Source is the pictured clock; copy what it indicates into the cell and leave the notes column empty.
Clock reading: 7:30:55
